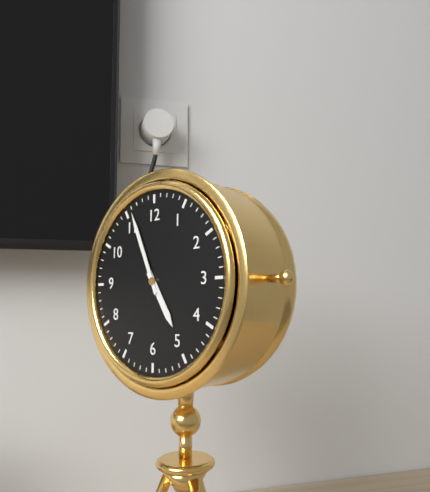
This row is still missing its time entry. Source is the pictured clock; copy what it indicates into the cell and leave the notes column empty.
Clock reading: 4:56
